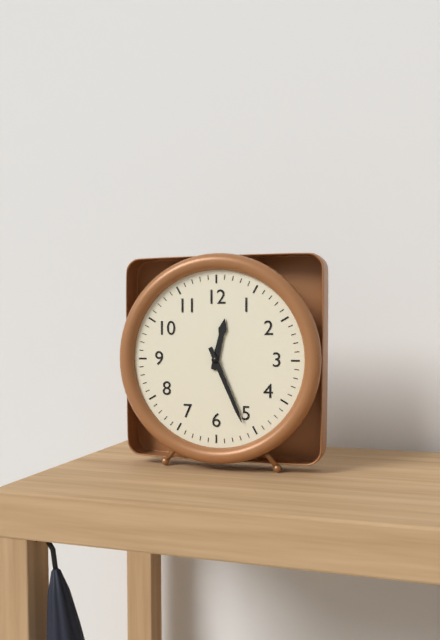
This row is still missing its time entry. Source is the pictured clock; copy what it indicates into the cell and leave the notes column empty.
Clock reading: 12:26
